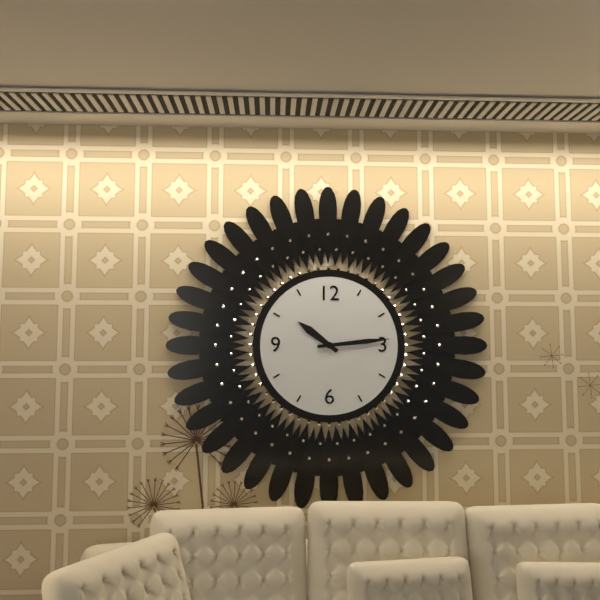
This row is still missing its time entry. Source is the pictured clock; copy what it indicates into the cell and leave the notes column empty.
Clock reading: 10:14
